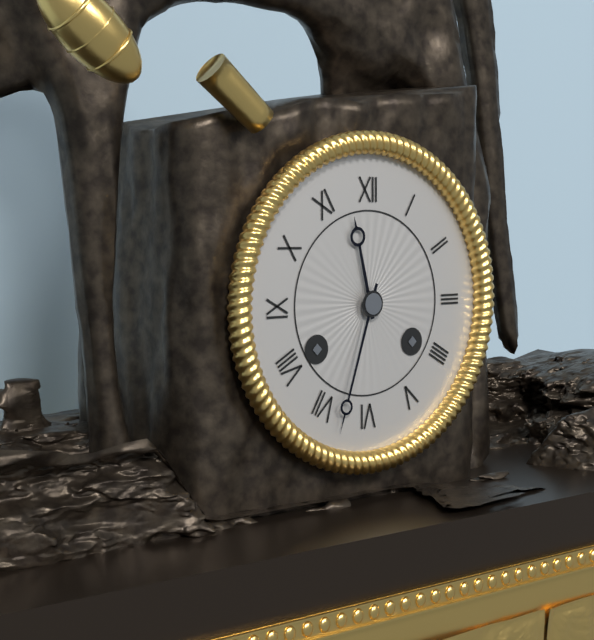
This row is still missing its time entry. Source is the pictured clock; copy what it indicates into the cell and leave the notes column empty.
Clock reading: 11:33
